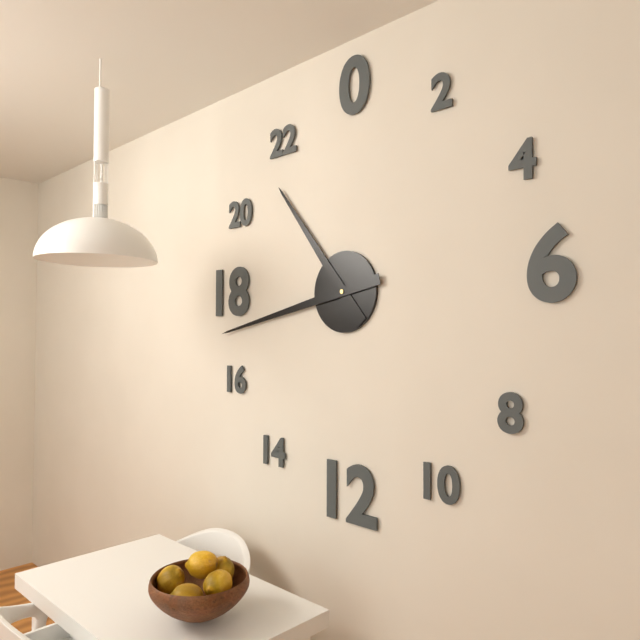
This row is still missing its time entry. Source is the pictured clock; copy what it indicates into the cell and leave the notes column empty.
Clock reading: 10:43
